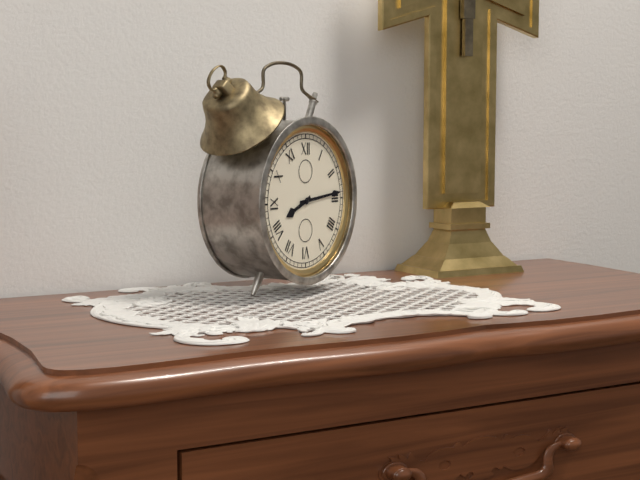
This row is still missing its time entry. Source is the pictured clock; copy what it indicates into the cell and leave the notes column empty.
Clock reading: 8:14
